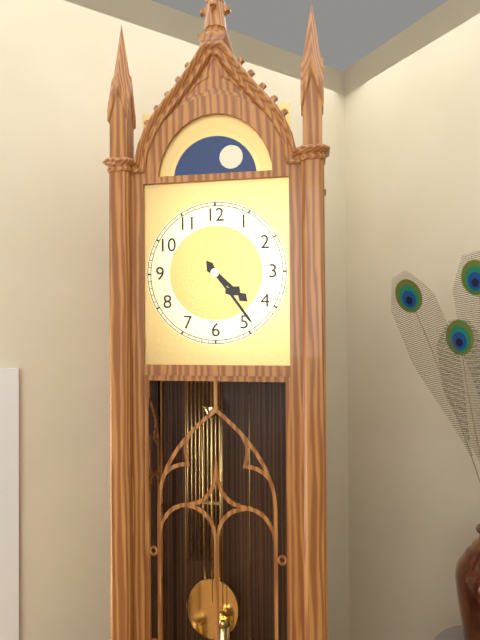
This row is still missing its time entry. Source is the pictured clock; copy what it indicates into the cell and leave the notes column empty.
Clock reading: 4:24
